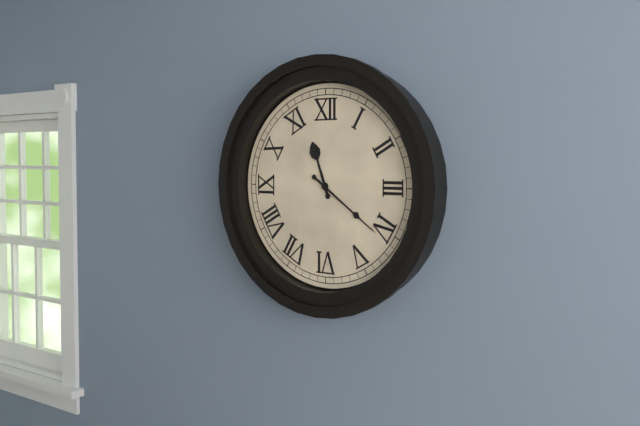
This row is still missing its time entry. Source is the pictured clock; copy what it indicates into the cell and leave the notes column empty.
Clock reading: 11:21
